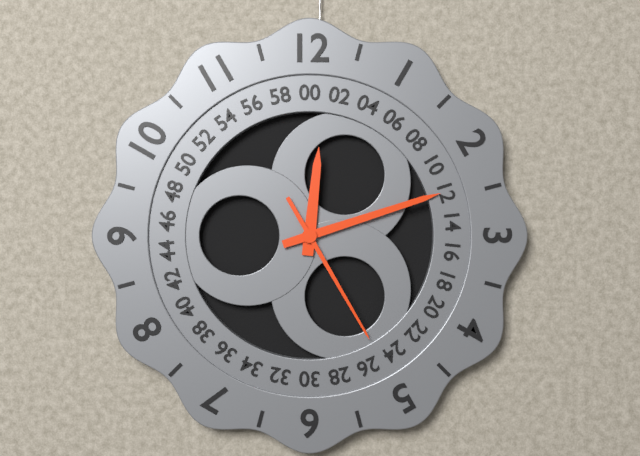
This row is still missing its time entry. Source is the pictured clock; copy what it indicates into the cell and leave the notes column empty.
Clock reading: 12:12:25
